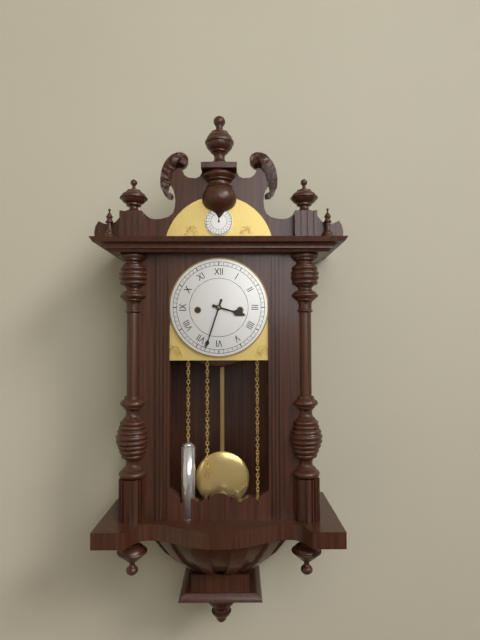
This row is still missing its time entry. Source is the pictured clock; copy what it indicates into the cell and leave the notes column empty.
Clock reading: 3:33
